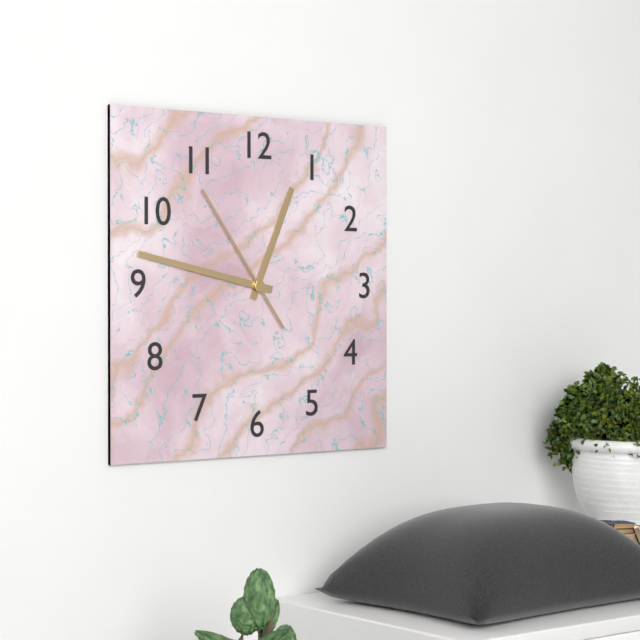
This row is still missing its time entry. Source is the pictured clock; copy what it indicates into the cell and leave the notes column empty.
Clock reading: 12:47:54
